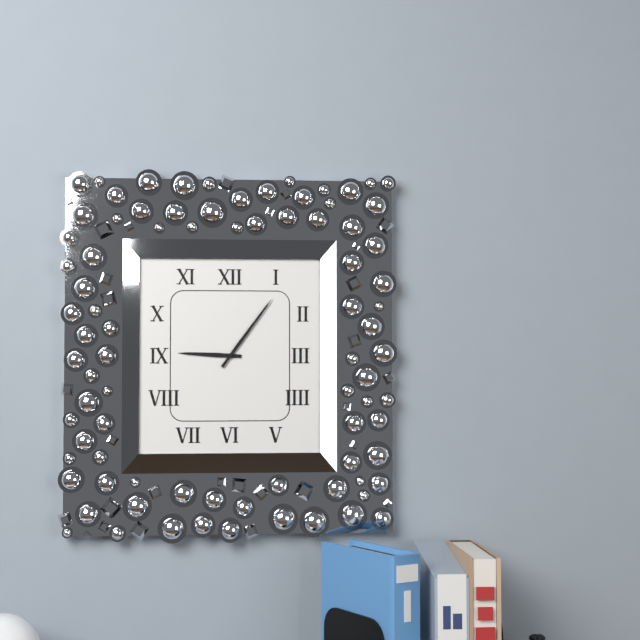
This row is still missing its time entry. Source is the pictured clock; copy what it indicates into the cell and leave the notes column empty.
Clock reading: 9:06
